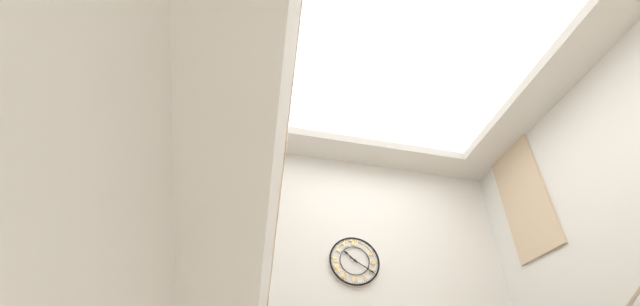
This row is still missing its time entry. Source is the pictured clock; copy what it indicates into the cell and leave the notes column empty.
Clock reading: 10:20
